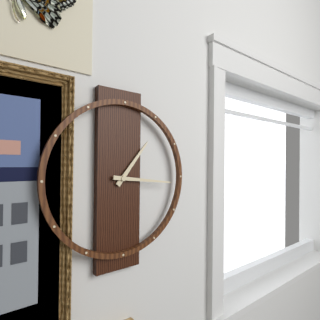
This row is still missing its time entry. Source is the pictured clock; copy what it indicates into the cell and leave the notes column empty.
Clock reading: 1:16
